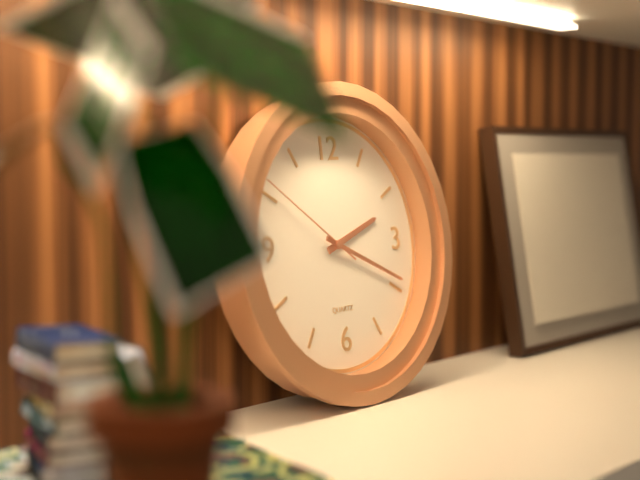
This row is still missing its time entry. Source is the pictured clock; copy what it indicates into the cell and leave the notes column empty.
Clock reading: 2:19:51
